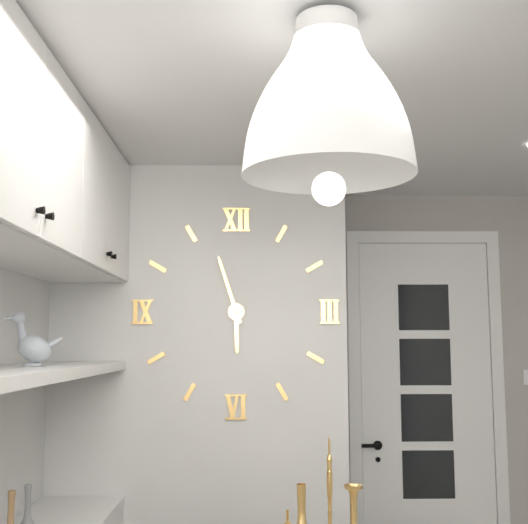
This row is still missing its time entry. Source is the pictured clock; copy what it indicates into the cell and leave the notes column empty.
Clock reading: 5:57
